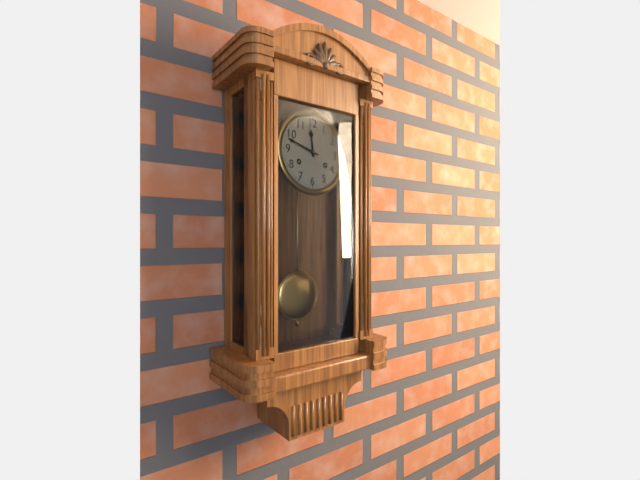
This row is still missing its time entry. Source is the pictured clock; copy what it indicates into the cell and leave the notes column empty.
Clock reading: 11:48
